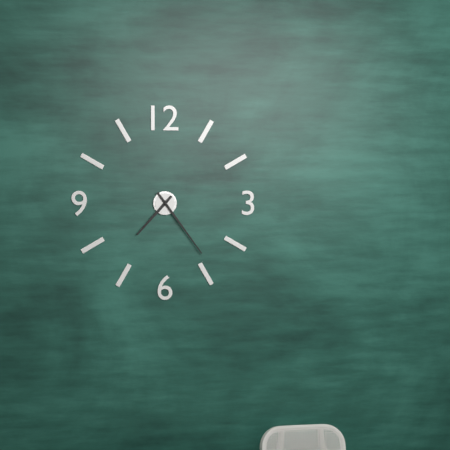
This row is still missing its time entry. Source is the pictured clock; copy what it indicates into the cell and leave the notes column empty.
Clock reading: 7:24
